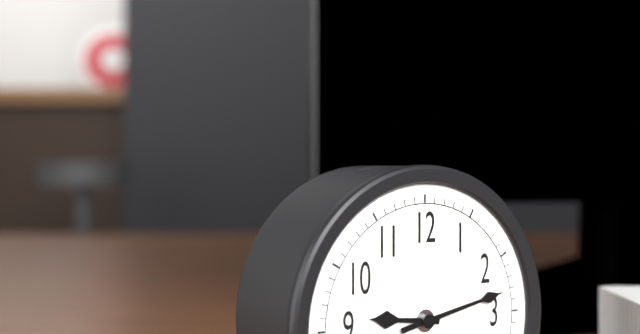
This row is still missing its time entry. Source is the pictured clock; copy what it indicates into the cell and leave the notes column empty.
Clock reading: 9:13
